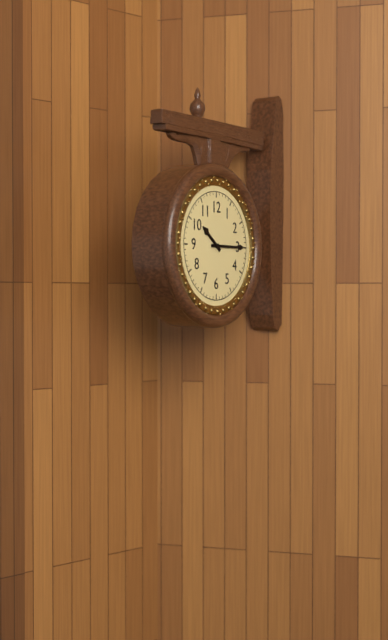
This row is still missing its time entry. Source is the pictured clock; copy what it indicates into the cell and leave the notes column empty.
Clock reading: 10:15
